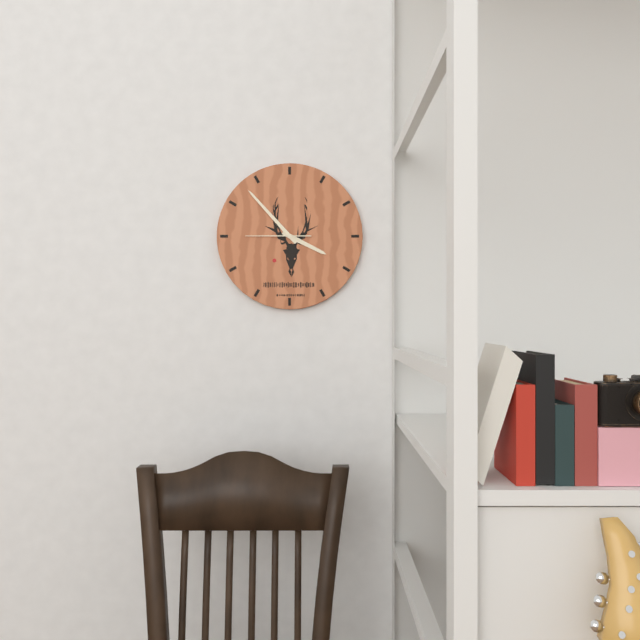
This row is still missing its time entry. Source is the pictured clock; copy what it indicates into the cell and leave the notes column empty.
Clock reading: 3:53:45
